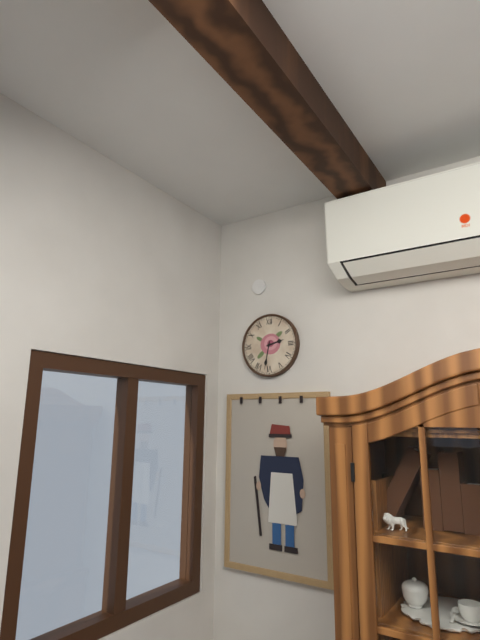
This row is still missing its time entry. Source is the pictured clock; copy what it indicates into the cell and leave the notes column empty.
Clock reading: 2:32
